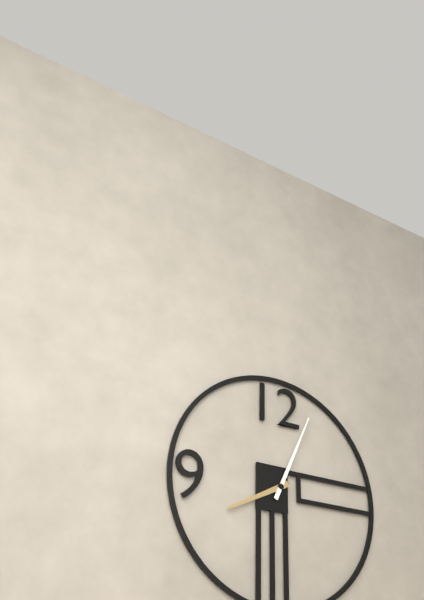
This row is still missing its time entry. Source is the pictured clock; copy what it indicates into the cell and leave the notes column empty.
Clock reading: 8:04
